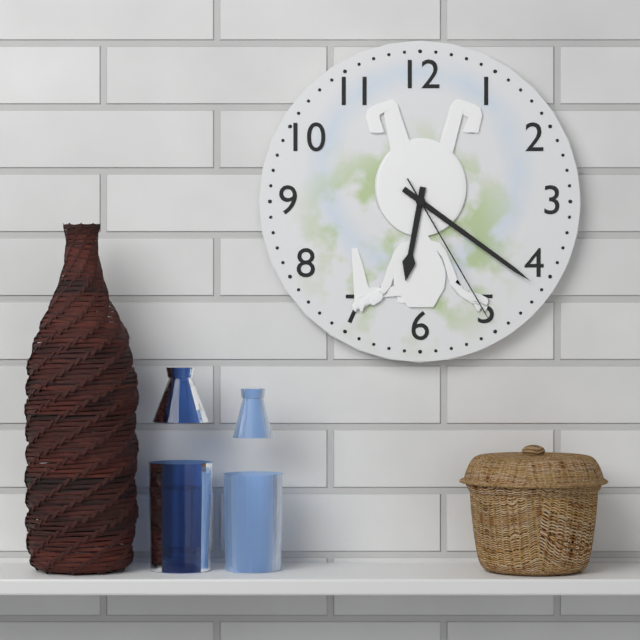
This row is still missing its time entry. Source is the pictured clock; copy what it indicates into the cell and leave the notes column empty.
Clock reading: 6:21:25
